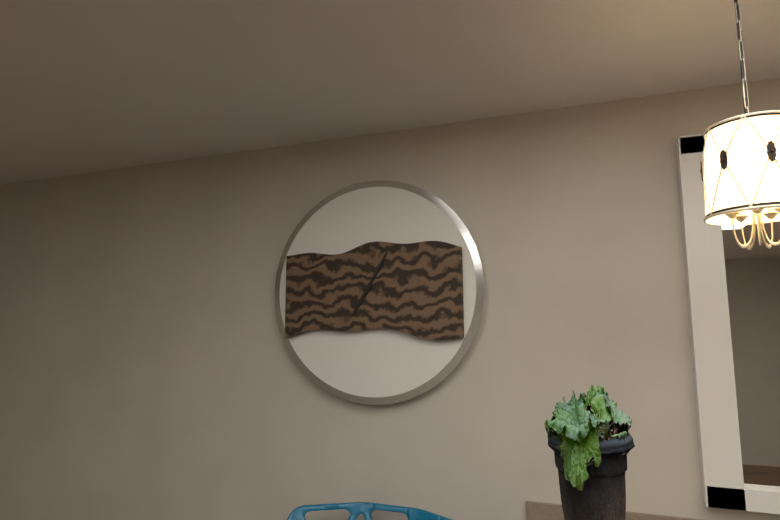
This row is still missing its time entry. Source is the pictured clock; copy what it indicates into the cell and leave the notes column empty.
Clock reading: 7:05
